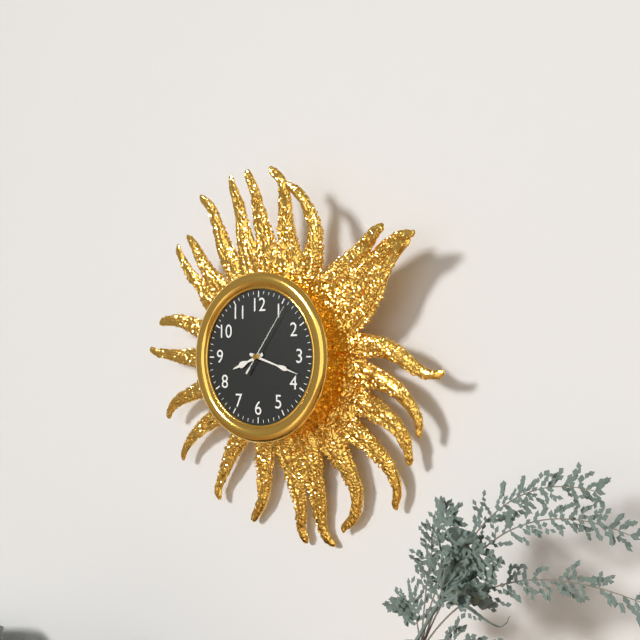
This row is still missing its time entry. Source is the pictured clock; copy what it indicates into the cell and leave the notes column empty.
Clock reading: 8:18:06
